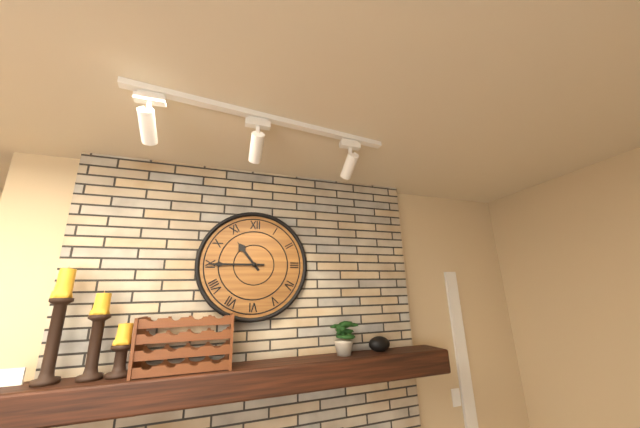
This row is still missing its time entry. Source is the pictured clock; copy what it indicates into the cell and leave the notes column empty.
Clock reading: 10:45
